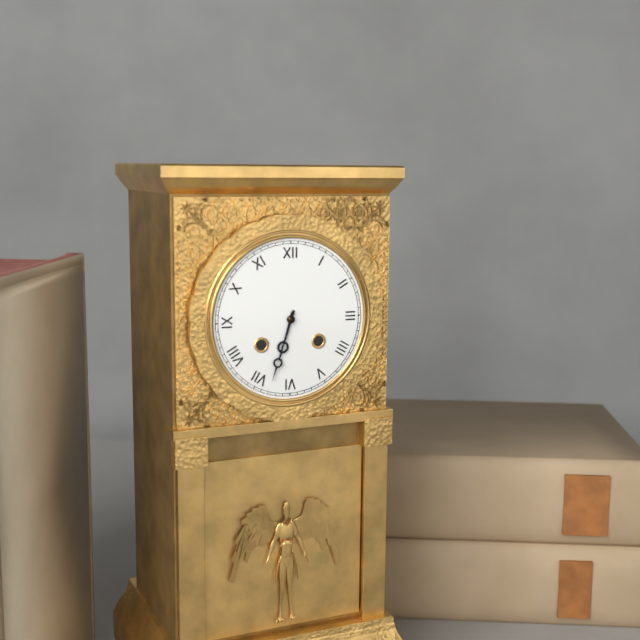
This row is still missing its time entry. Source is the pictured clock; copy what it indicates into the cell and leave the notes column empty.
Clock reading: 6:33
